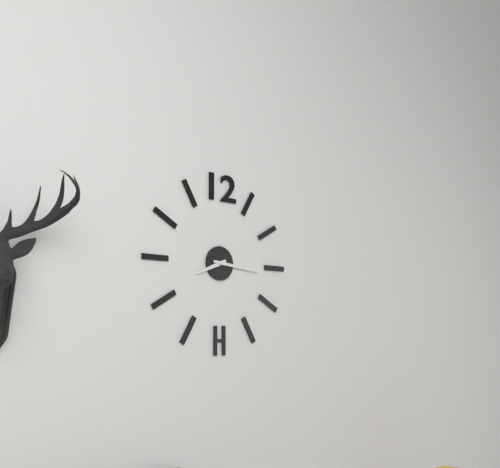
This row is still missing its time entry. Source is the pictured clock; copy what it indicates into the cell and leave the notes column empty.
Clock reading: 8:16
